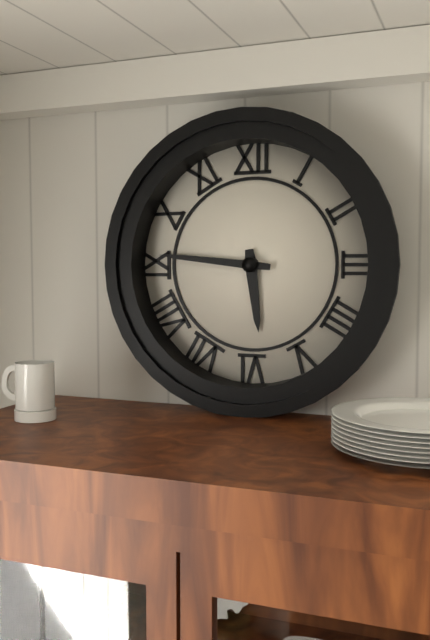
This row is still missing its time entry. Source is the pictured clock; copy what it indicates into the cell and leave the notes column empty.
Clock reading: 5:46
